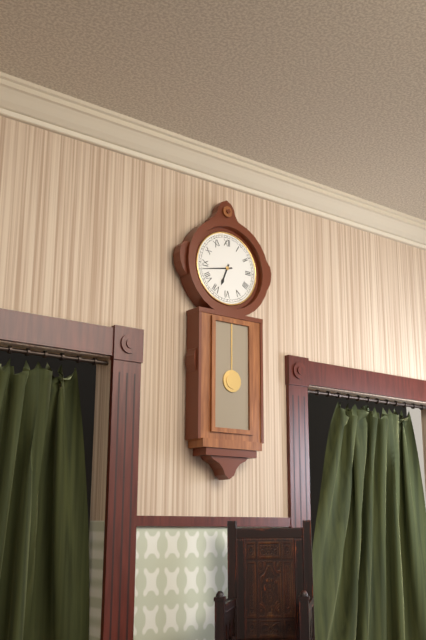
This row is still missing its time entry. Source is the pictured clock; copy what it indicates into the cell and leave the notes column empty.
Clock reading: 6:43
